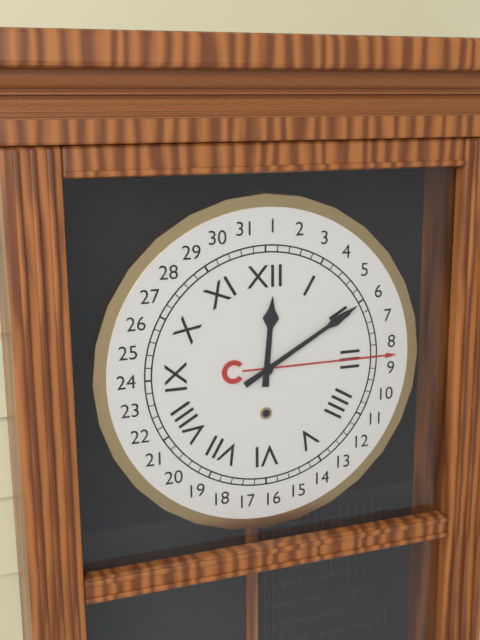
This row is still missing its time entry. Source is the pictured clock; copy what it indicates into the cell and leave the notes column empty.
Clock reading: 12:10
